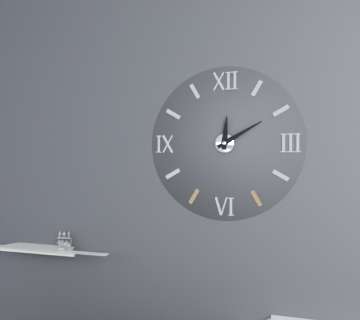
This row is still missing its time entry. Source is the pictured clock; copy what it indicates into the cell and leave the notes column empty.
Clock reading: 12:10
